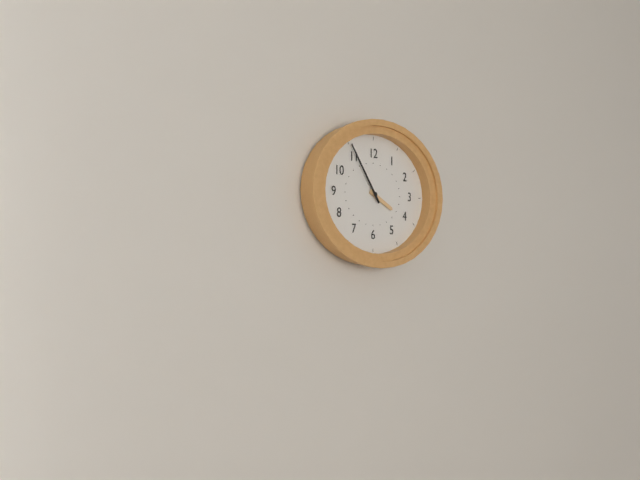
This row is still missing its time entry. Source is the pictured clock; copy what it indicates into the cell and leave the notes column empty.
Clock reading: 3:54
